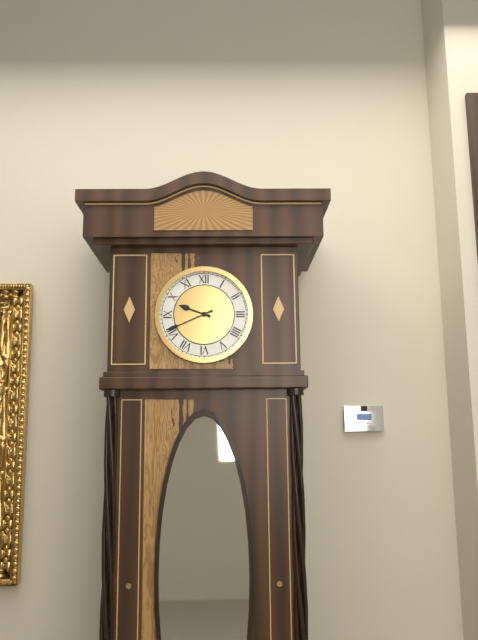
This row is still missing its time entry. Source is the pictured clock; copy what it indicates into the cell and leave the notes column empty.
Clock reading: 9:41
